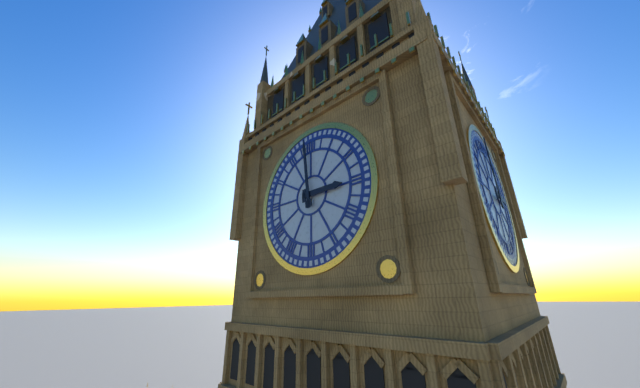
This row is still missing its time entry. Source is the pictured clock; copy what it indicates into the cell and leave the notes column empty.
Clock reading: 2:59
